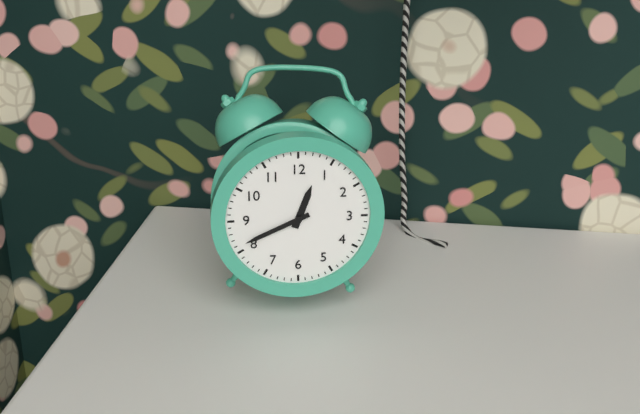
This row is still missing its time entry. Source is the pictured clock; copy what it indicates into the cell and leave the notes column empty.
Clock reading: 12:41
